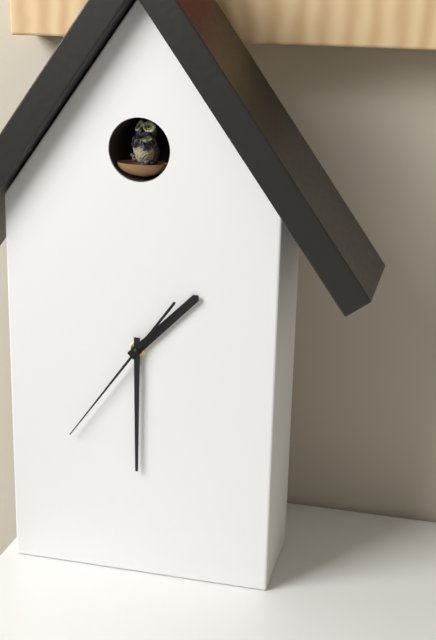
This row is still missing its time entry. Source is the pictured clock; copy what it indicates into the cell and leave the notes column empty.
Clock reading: 1:30:36
